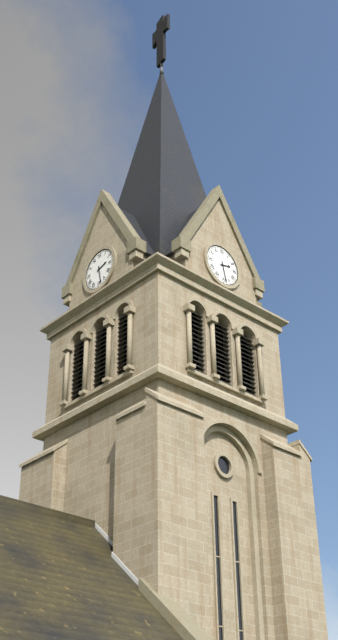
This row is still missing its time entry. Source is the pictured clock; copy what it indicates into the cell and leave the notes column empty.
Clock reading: 2:28
